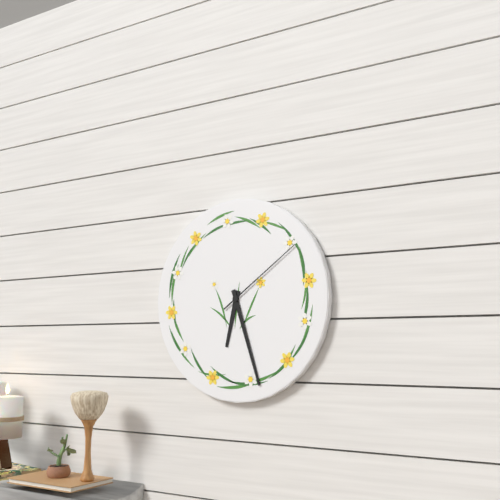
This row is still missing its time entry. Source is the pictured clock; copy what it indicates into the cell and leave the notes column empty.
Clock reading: 6:27:09
